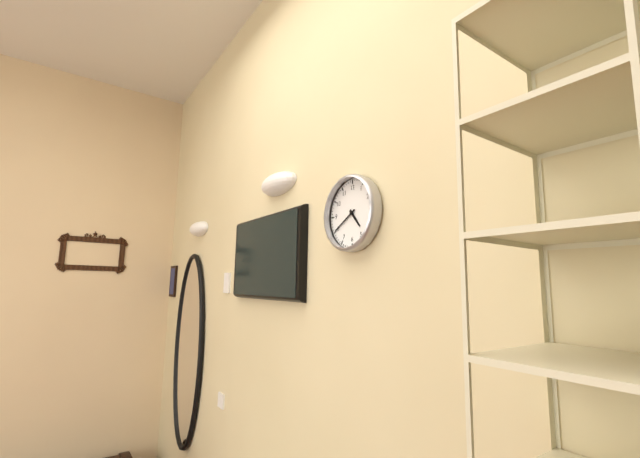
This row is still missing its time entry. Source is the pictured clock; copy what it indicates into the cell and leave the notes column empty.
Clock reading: 4:40
